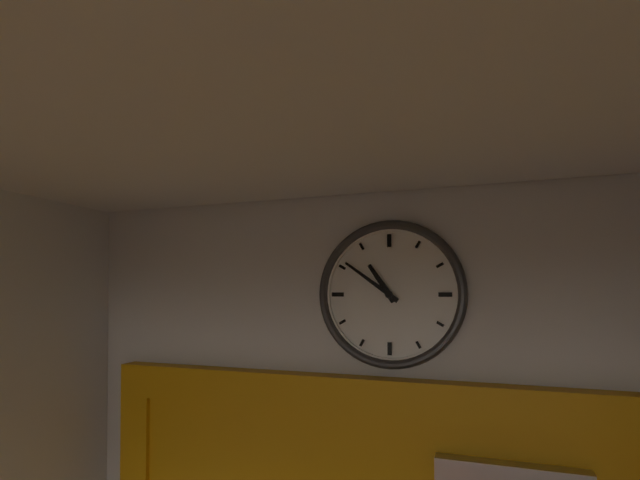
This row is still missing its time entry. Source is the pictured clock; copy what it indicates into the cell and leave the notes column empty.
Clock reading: 10:51
